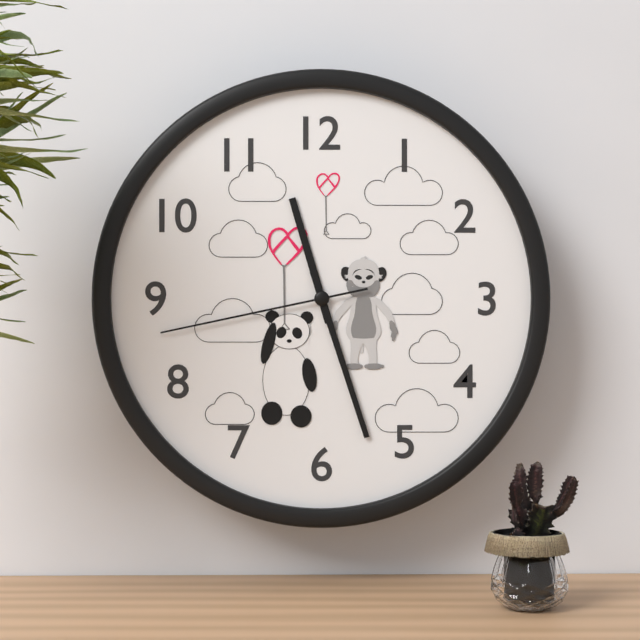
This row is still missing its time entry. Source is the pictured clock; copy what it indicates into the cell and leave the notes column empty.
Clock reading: 11:27:43
